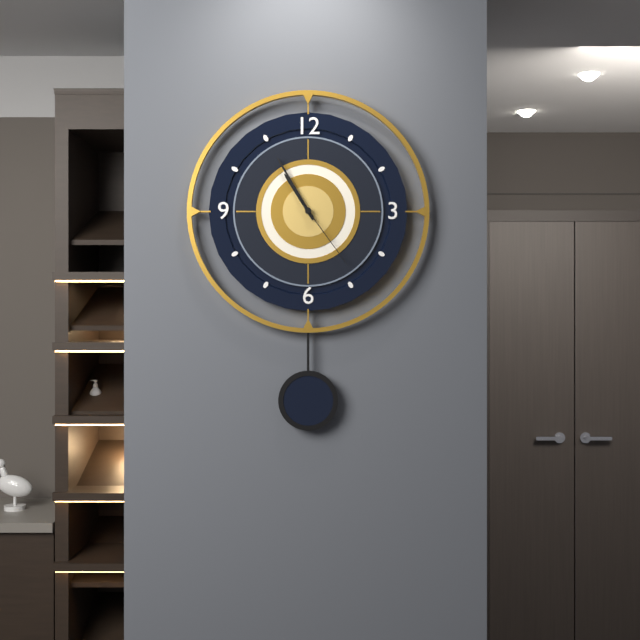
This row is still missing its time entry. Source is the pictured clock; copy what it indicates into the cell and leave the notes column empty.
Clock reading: 10:55:24
